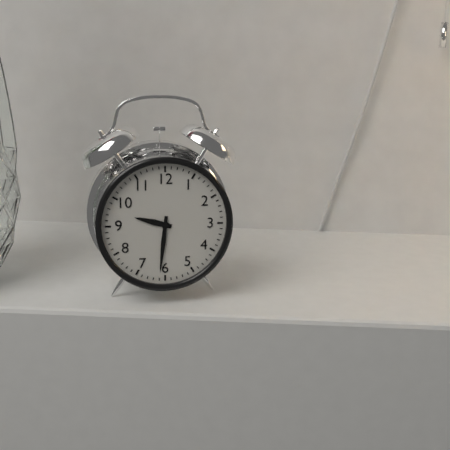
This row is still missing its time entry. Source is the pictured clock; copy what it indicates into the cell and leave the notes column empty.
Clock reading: 9:31
